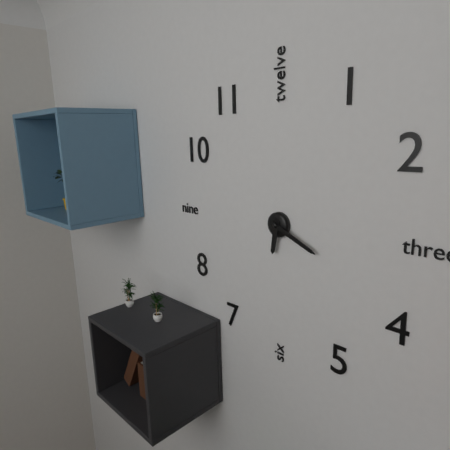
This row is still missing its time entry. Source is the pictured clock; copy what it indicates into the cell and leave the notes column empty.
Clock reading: 6:19
